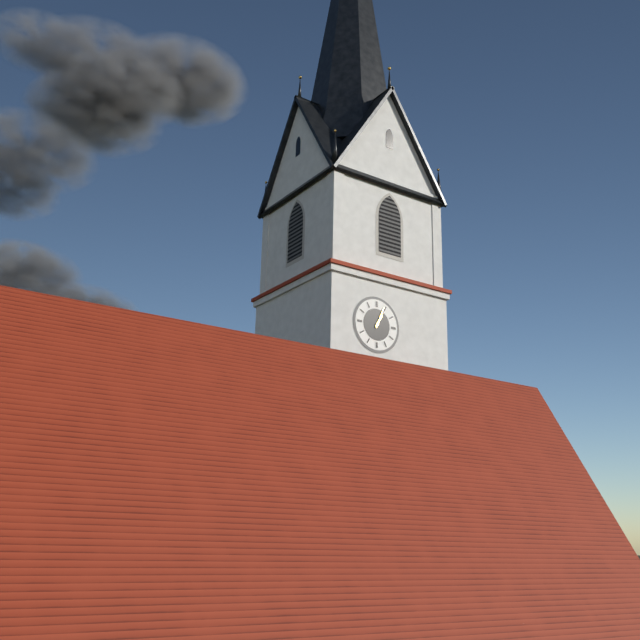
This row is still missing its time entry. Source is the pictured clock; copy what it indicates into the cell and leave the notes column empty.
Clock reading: 1:04
